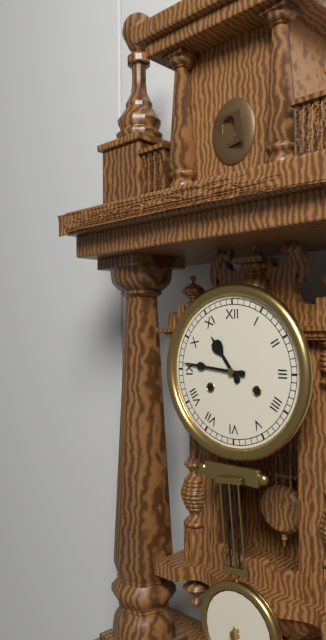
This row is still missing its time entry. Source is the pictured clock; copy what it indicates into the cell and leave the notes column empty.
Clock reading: 10:46
